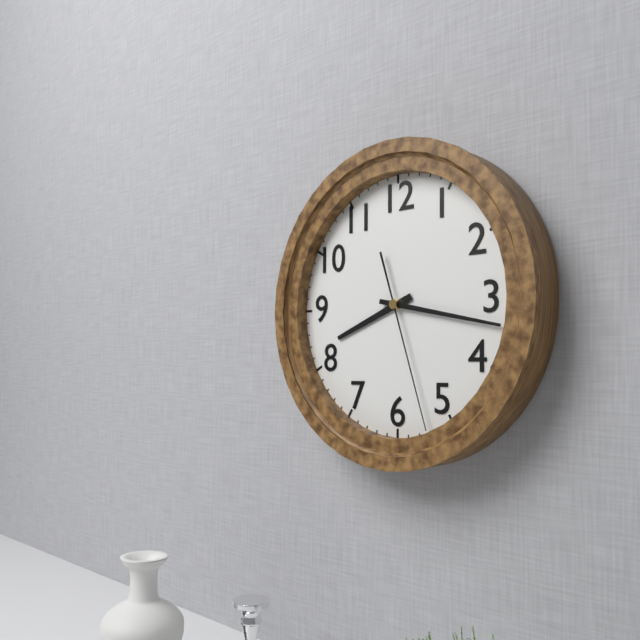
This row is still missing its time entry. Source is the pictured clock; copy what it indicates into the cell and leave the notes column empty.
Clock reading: 8:17:27
